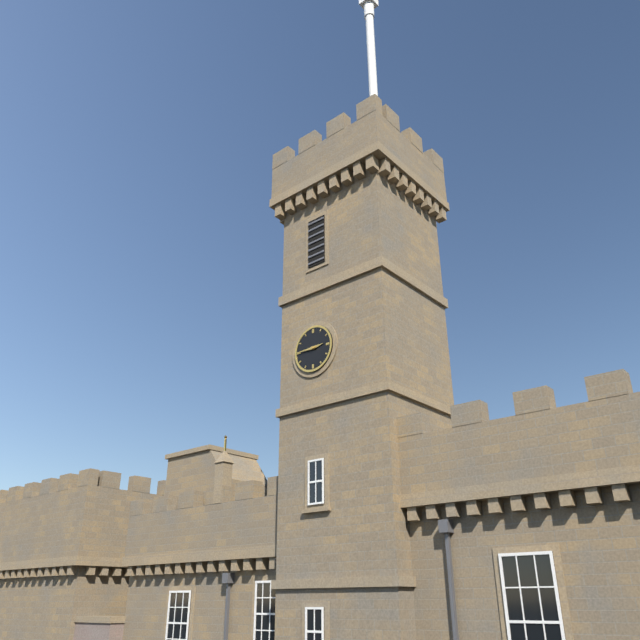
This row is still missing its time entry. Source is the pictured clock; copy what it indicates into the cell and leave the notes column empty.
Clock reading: 2:45
